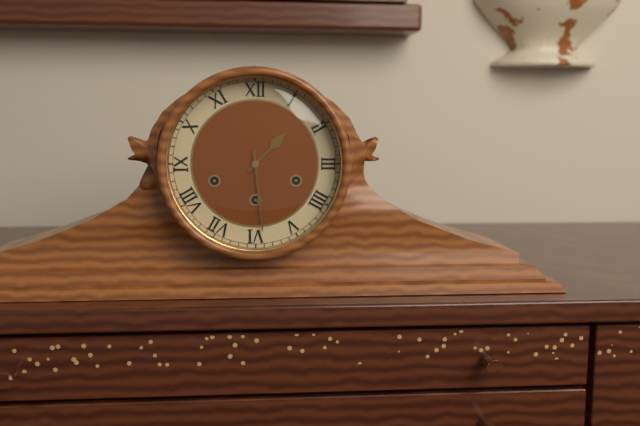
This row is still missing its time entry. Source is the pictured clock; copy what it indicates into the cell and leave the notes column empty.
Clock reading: 1:29
